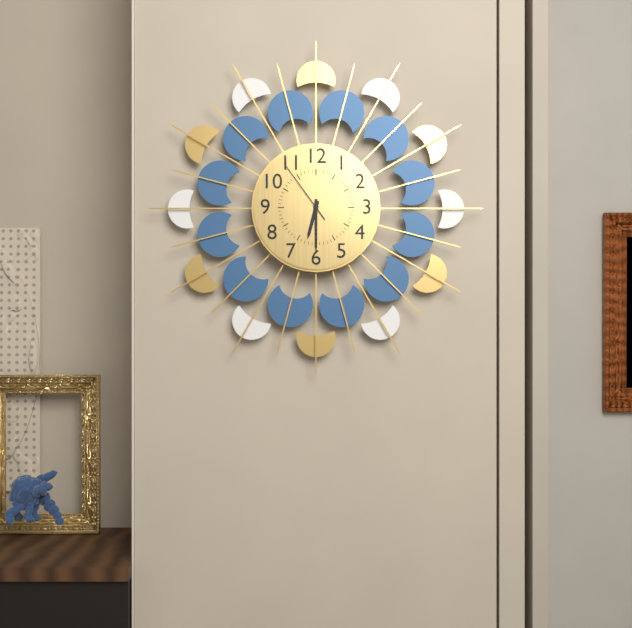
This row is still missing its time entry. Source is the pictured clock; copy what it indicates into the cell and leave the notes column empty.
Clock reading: 6:30:54
